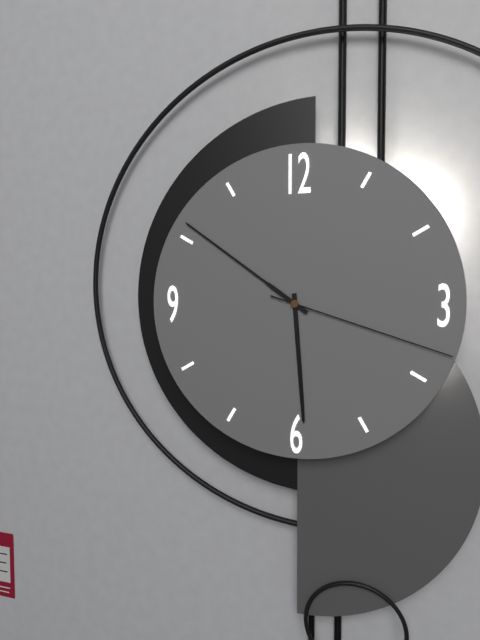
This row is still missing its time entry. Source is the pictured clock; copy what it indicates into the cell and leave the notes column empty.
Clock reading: 5:51:18
